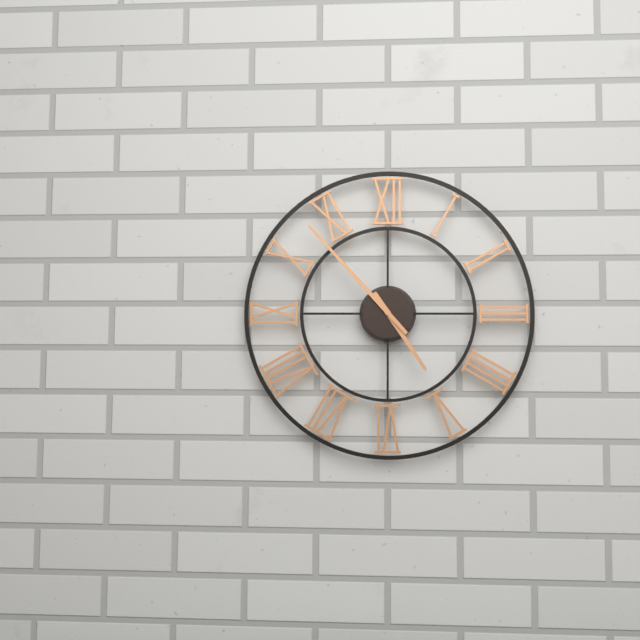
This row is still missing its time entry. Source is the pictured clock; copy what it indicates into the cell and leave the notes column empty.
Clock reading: 4:53
